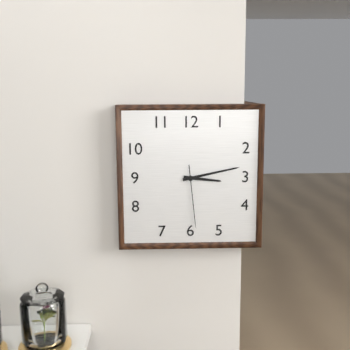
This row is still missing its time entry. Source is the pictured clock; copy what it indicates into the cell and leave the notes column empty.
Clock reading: 3:13:29
